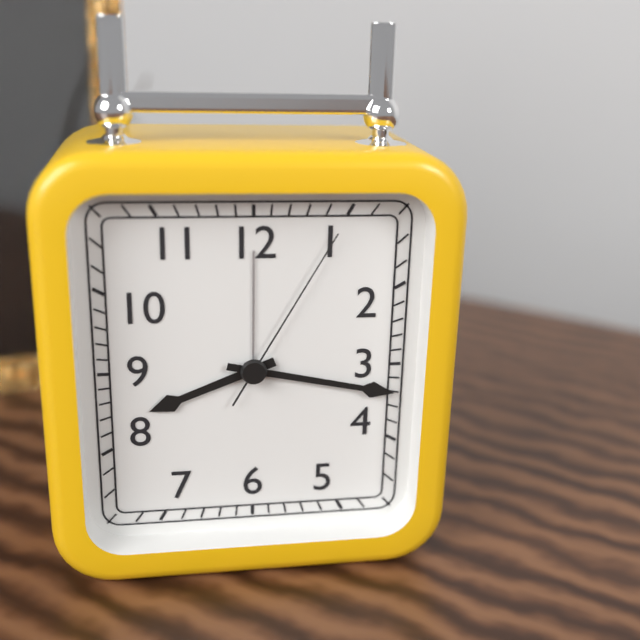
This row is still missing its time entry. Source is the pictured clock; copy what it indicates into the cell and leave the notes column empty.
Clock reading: 8:17:05
